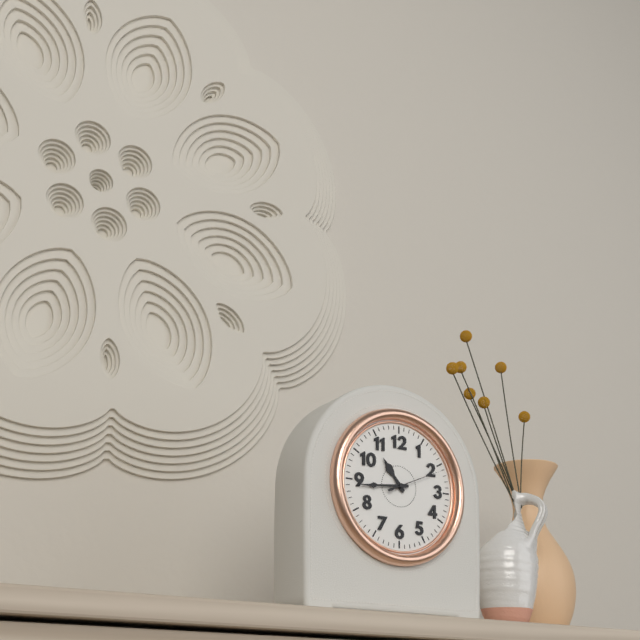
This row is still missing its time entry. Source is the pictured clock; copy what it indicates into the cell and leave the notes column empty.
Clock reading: 10:44:11
